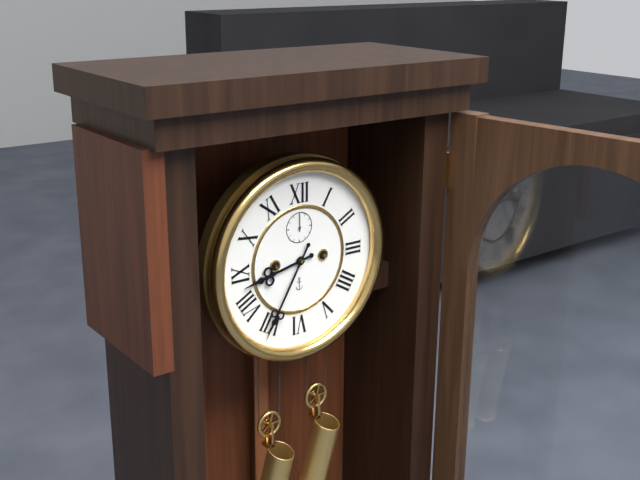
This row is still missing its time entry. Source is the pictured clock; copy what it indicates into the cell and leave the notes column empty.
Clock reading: 8:35
